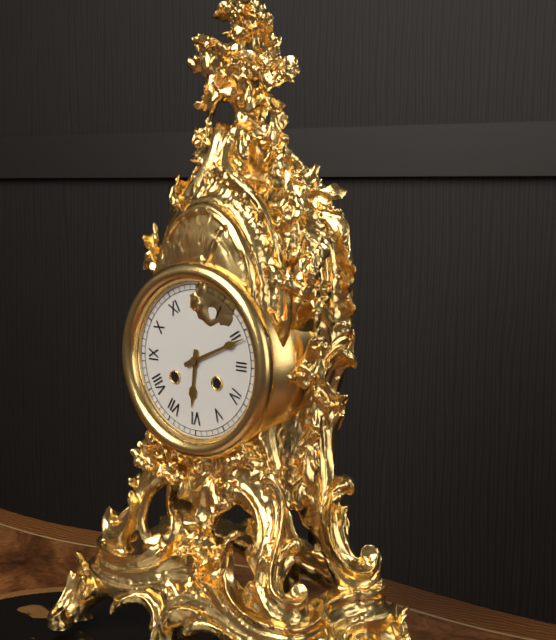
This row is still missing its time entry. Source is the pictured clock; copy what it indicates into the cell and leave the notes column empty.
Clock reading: 6:11
